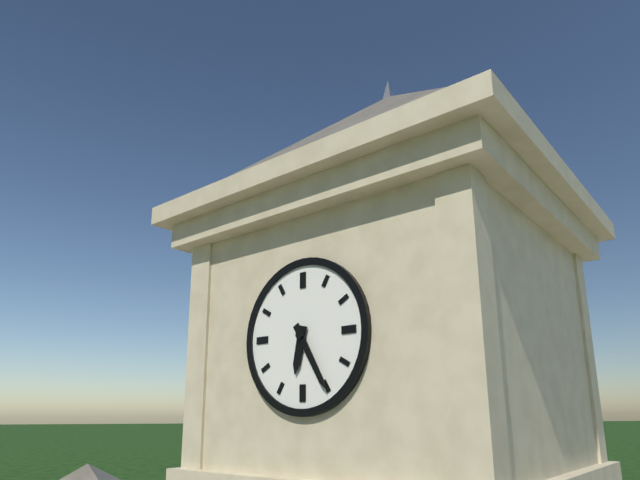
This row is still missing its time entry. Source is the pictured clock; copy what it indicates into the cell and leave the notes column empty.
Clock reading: 6:25
